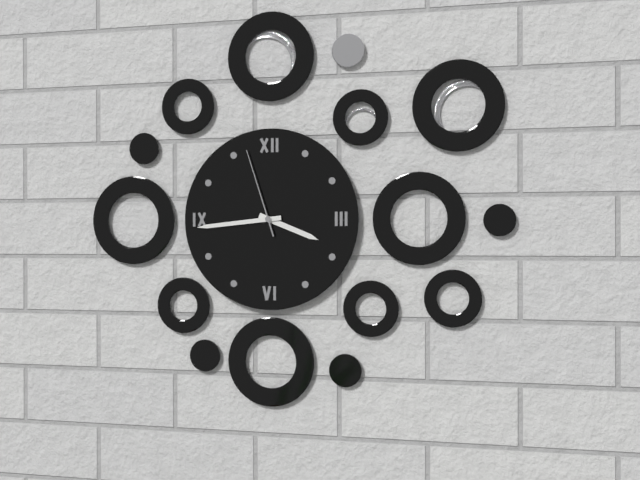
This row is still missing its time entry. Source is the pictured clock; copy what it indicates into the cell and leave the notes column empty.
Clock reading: 3:44:57
